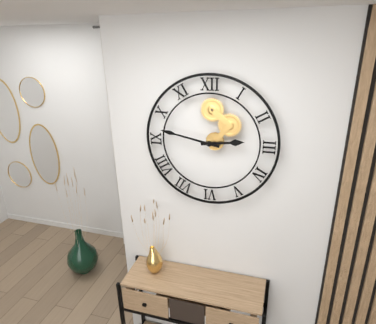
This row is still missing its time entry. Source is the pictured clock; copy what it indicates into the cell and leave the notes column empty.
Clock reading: 2:47
